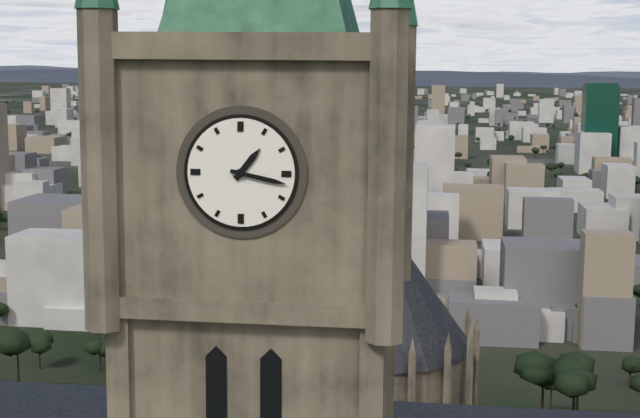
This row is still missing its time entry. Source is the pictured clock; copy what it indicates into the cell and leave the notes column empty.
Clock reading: 1:17
